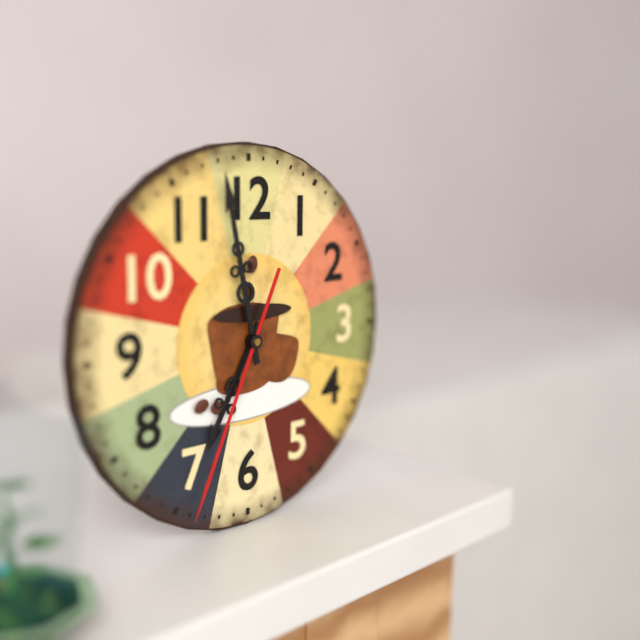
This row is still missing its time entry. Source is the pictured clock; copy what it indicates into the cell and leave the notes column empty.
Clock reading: 6:58:34
